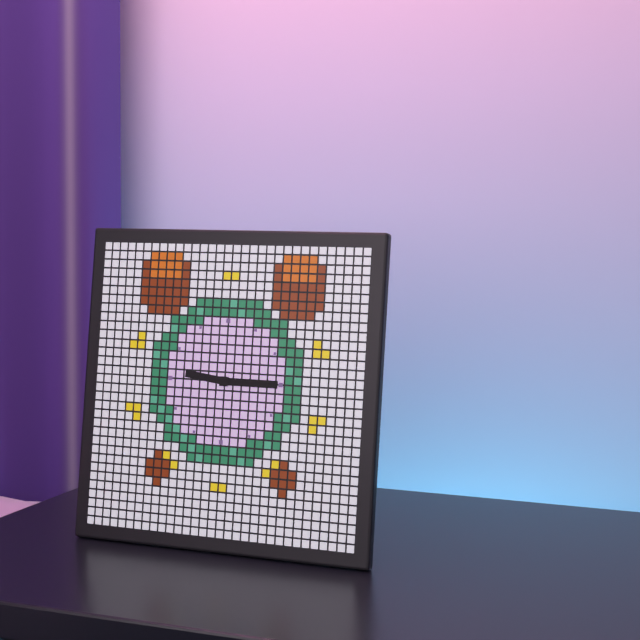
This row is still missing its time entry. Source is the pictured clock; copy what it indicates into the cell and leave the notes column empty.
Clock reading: 9:15
